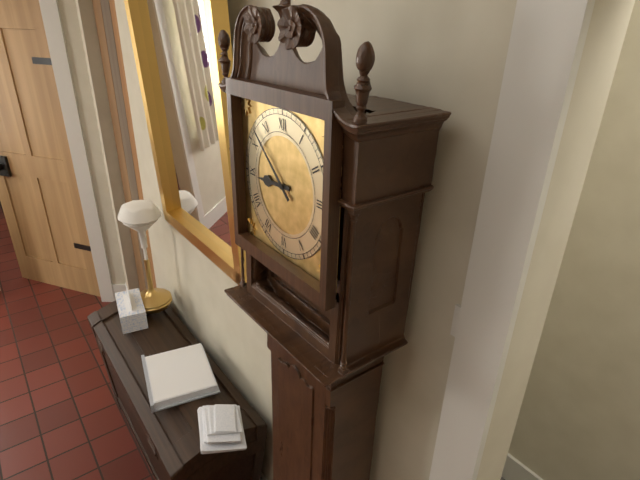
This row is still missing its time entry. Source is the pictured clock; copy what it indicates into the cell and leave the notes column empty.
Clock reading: 8:52
